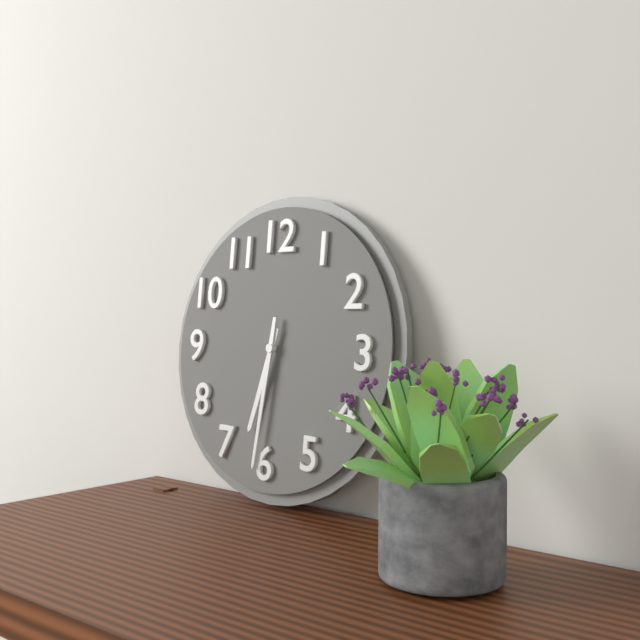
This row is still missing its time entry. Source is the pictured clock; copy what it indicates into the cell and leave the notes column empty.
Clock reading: 6:31
